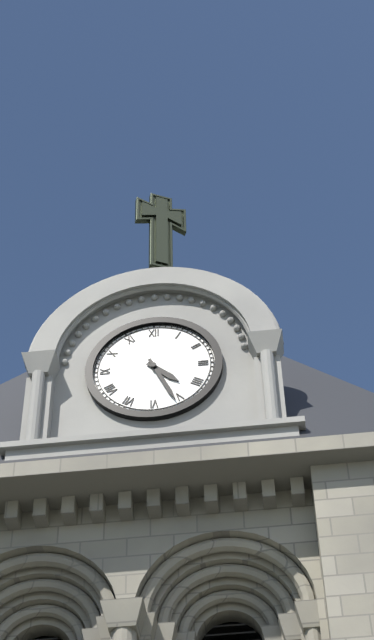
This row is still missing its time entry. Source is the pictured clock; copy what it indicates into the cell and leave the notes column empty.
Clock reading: 4:26
